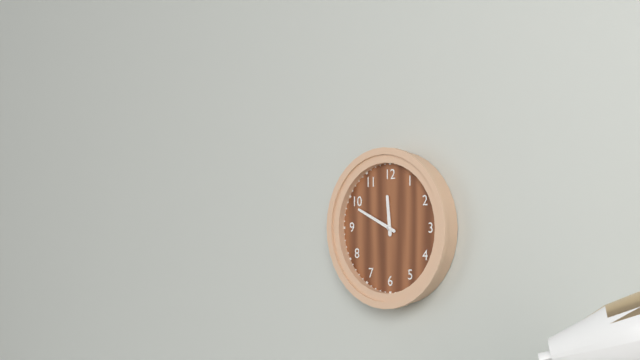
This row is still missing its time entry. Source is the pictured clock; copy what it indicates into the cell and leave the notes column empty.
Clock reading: 11:49
